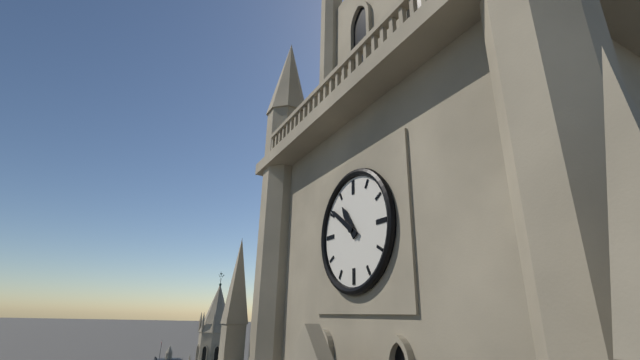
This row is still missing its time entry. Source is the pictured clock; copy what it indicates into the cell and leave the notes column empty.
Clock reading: 10:51
